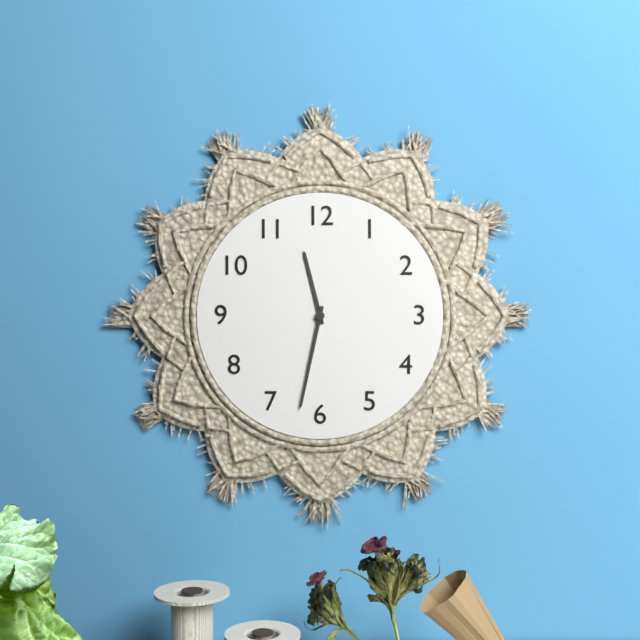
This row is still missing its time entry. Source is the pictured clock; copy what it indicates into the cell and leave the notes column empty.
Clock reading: 11:32
